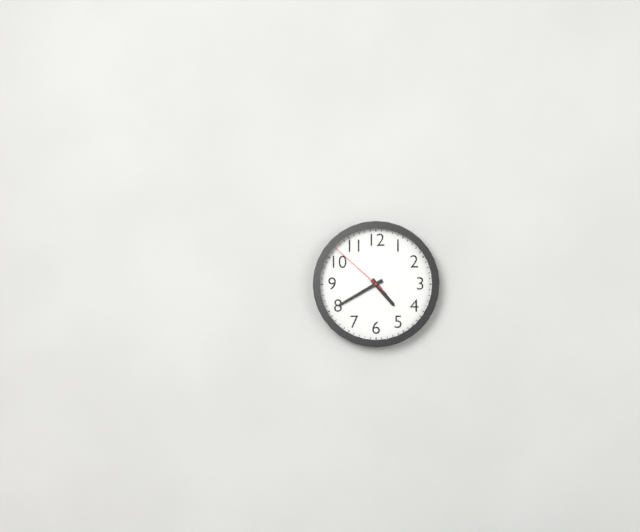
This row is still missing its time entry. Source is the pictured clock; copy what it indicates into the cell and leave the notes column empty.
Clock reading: 4:40:52
